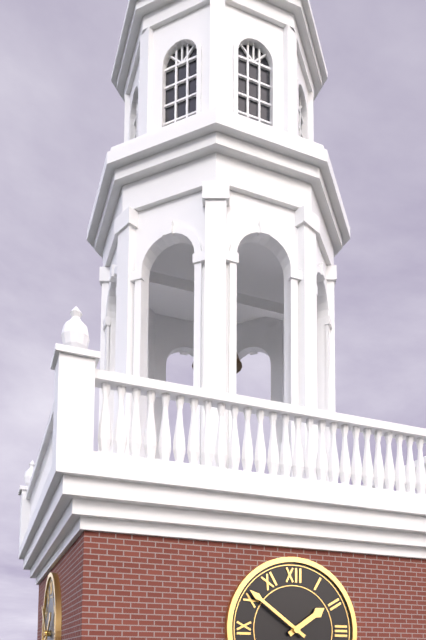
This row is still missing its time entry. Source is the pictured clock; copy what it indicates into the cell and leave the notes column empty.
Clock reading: 1:51
